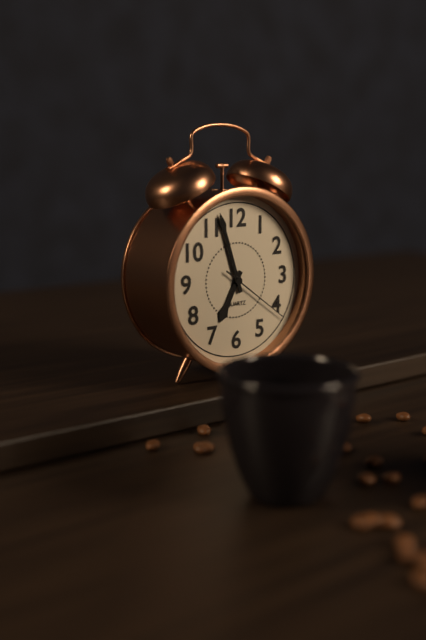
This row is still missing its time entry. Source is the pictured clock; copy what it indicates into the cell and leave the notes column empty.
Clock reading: 6:57:21
